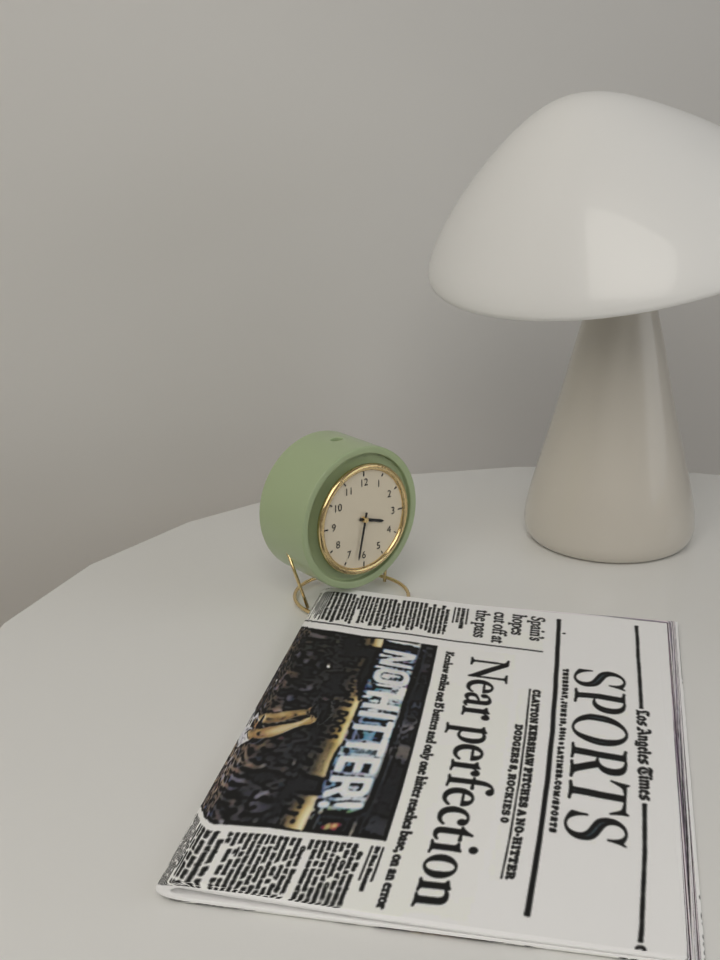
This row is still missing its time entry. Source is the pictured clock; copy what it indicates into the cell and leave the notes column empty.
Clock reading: 3:32
